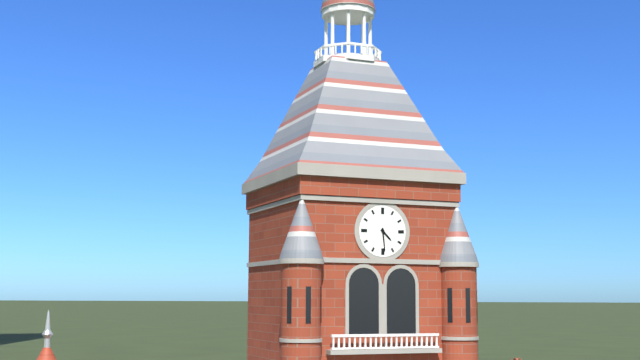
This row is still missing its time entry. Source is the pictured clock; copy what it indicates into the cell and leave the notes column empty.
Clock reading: 4:29
